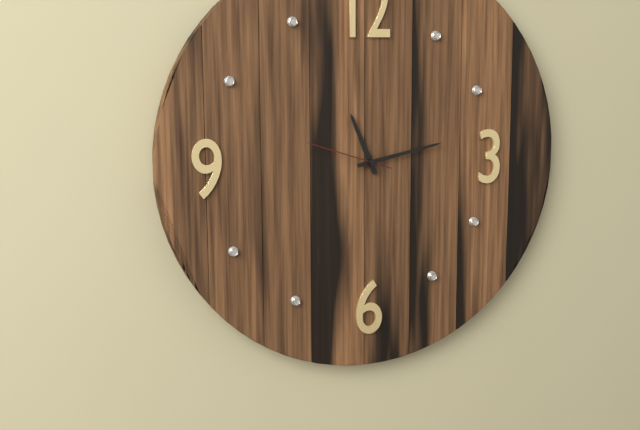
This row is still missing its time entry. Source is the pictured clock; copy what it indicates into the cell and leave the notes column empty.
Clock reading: 11:13:48
